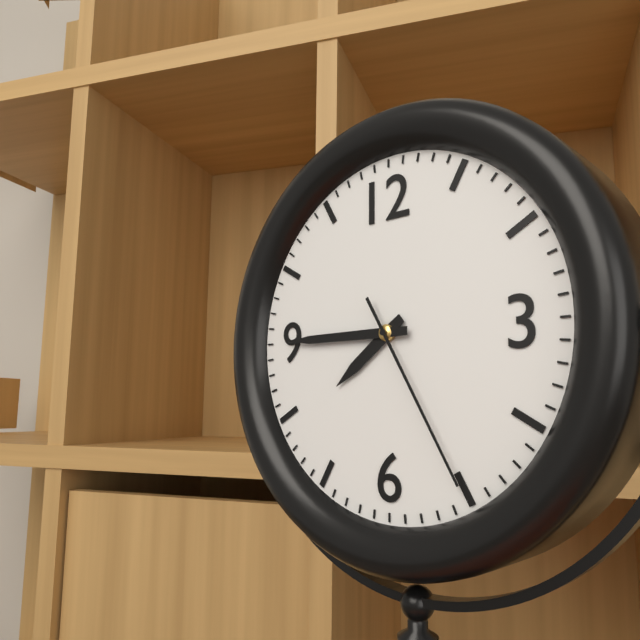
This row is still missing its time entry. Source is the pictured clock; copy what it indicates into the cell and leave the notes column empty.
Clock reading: 7:45:25
